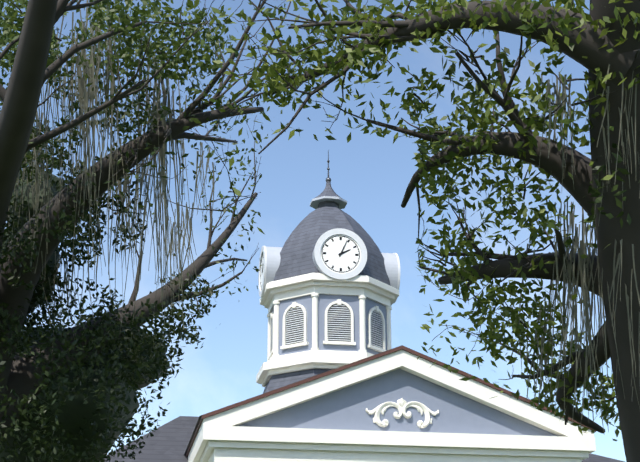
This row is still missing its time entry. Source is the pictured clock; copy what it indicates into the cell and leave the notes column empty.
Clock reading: 2:04
